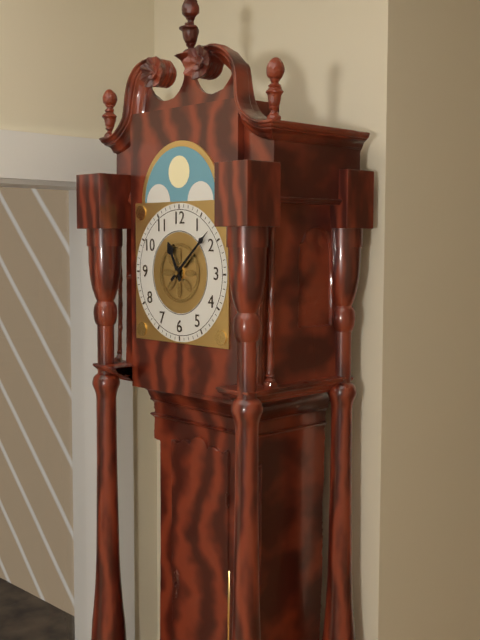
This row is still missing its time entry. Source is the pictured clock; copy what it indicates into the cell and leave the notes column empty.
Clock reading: 11:08
